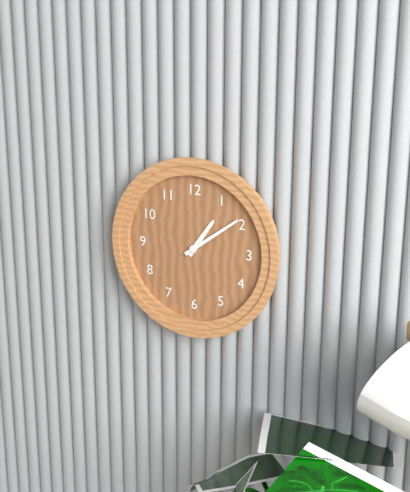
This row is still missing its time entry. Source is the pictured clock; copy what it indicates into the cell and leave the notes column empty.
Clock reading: 1:09
